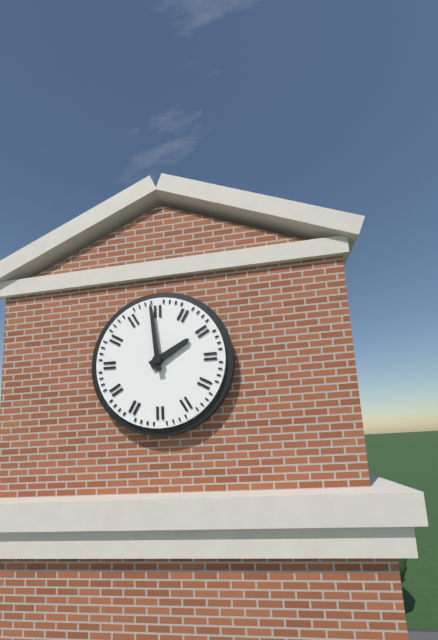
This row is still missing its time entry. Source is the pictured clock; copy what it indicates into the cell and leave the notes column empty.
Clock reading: 1:59
